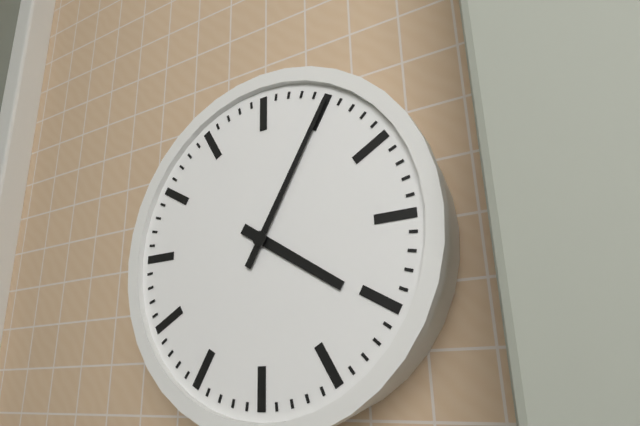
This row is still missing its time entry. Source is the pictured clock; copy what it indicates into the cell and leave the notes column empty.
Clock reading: 4:05
